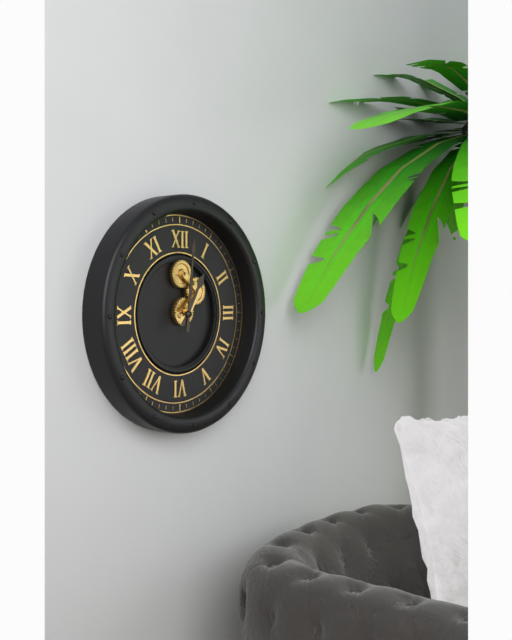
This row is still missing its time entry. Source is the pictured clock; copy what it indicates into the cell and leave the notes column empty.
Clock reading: 1:01
